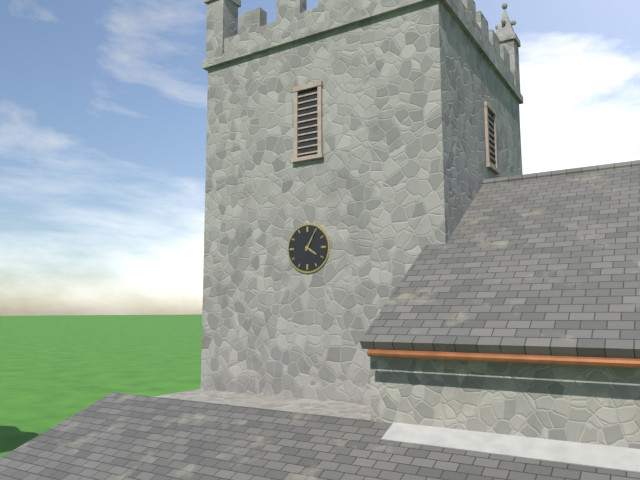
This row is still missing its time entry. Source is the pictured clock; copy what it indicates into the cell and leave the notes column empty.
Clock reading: 4:05
